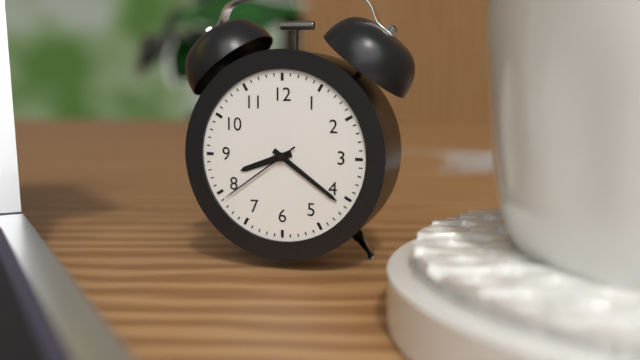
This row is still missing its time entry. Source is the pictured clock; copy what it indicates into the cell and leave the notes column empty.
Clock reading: 8:21:39
